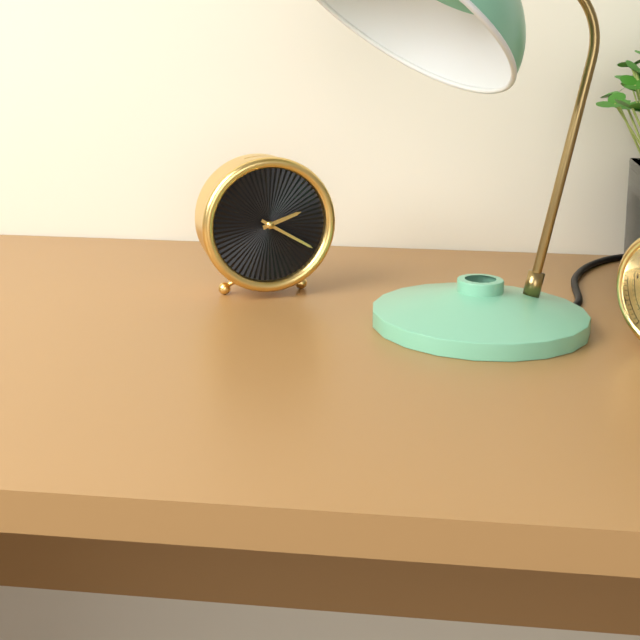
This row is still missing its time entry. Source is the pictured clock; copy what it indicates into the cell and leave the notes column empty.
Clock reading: 2:20
